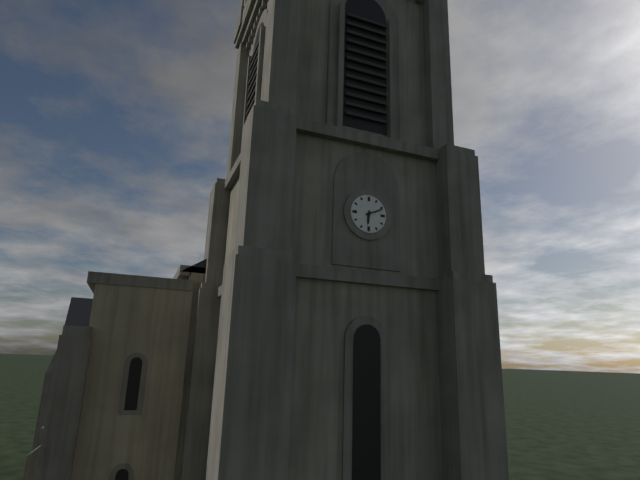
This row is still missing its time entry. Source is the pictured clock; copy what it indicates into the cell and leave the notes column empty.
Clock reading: 6:11
